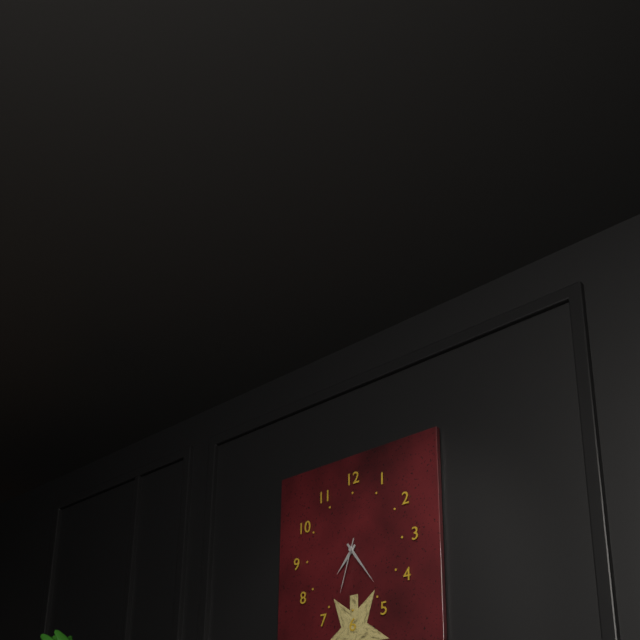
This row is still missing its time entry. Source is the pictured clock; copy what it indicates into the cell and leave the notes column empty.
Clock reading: 7:24:33
